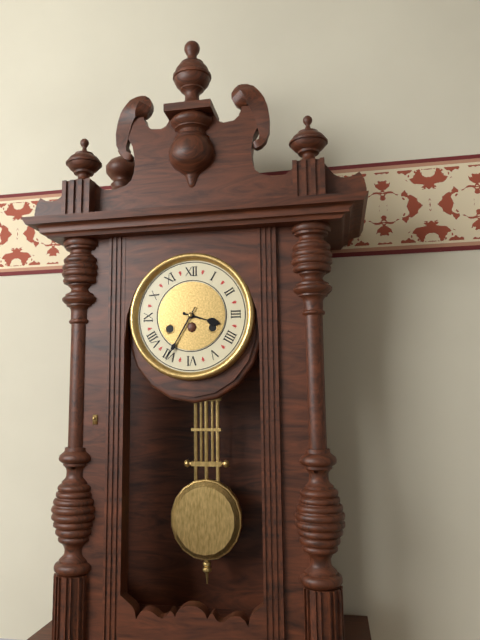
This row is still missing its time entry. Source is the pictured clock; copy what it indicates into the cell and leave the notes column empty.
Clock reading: 3:35
